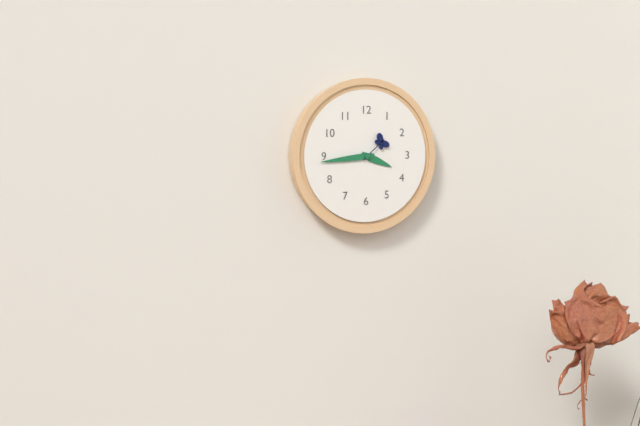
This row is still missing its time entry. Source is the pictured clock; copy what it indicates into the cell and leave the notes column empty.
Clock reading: 3:44
